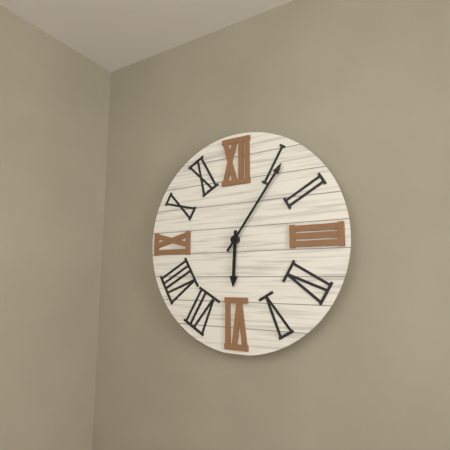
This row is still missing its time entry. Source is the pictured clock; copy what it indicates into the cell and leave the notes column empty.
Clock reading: 6:06
